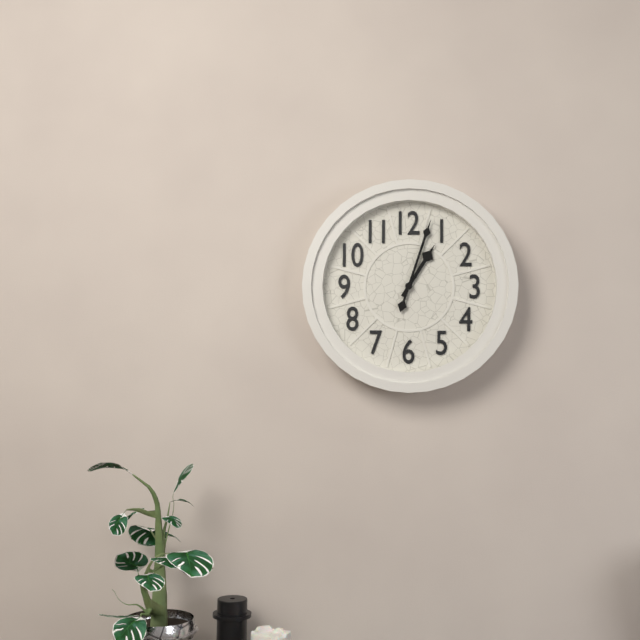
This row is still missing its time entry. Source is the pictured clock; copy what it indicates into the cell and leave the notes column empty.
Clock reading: 1:03
